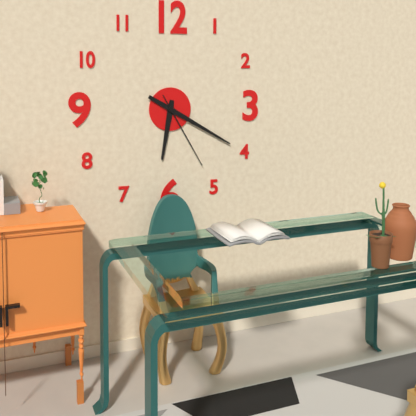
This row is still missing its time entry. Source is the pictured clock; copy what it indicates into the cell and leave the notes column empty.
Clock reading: 6:20:25
